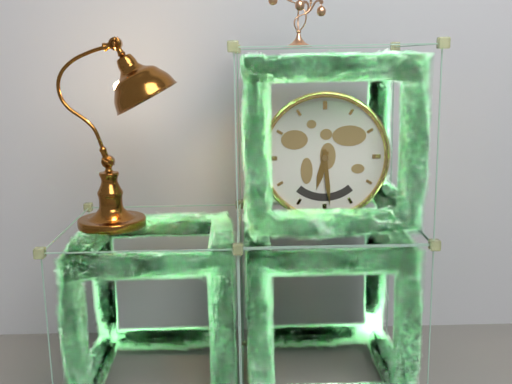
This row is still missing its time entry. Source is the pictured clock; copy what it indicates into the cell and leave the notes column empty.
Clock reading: 6:29
